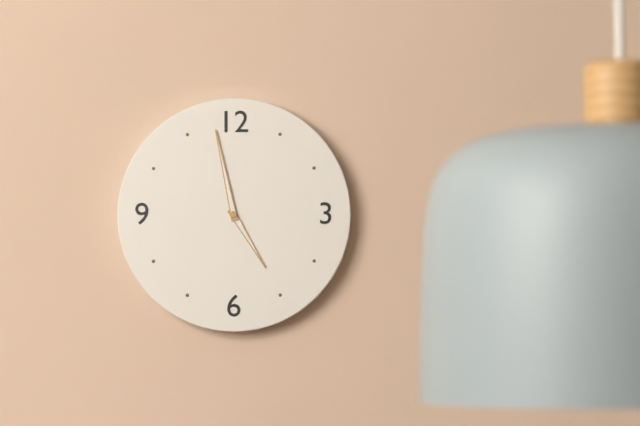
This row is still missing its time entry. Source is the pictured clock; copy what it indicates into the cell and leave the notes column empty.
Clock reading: 4:58
